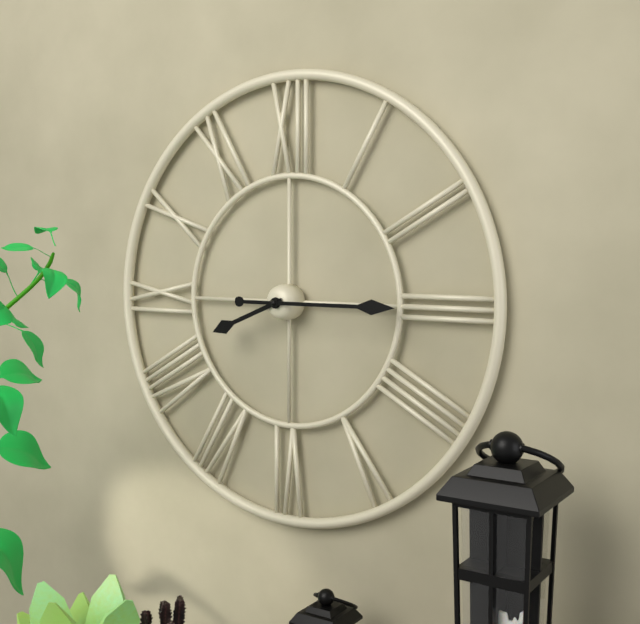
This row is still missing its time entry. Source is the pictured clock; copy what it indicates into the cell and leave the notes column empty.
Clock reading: 8:15
